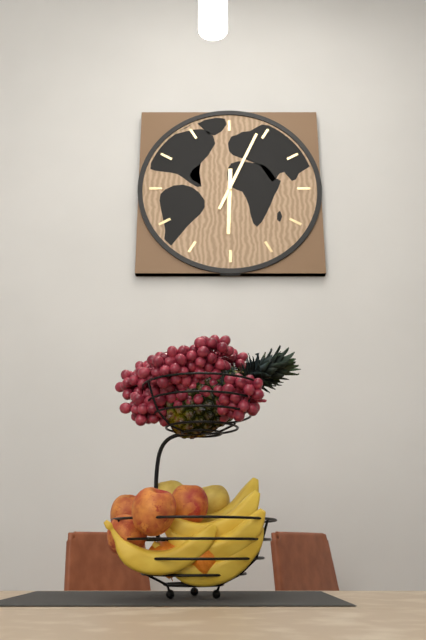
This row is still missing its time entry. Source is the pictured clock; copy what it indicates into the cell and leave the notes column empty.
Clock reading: 6:04
